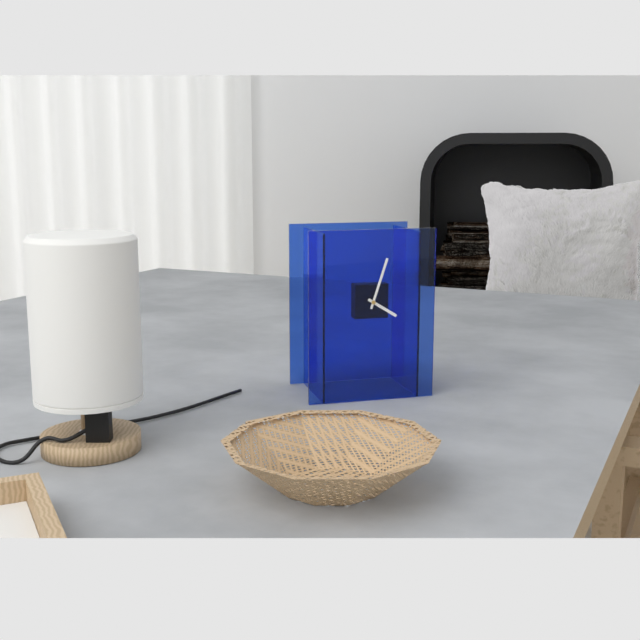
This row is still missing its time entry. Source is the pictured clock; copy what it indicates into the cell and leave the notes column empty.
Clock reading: 4:03
